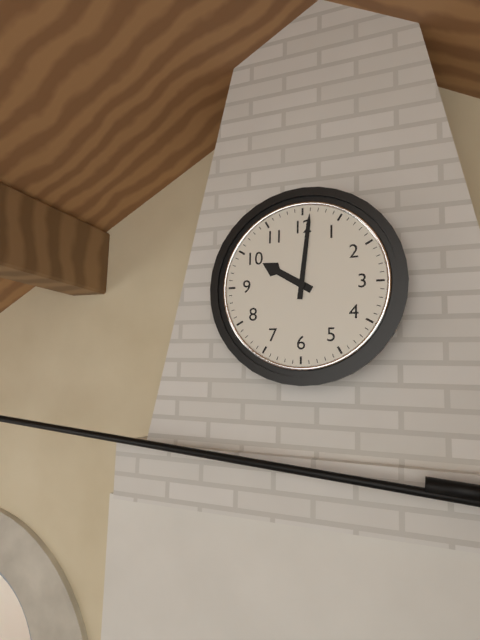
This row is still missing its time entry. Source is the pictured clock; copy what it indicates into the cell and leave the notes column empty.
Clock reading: 10:01
